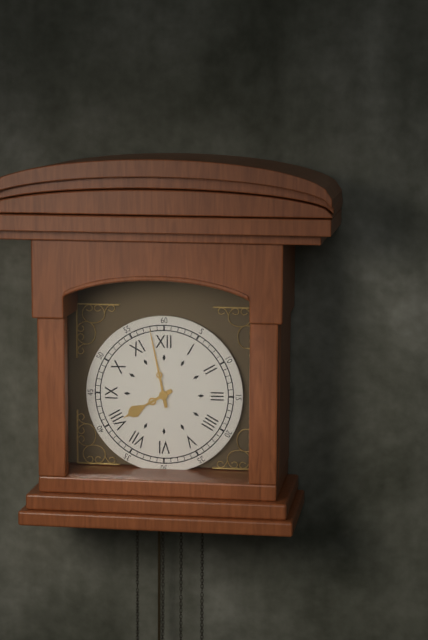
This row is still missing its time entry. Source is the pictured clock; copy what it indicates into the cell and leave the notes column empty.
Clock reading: 7:58
